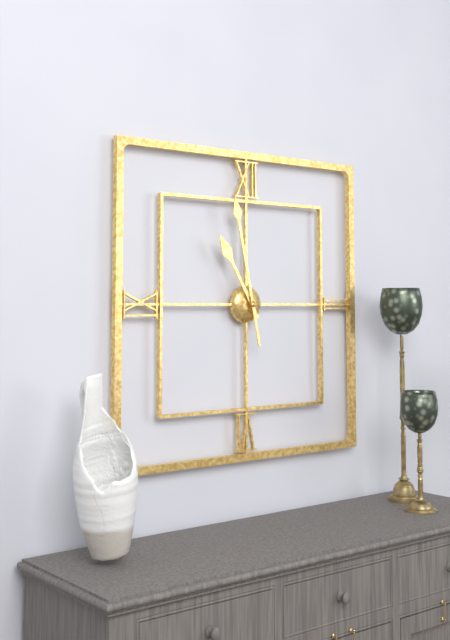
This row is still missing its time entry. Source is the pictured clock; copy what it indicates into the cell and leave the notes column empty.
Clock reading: 10:58
